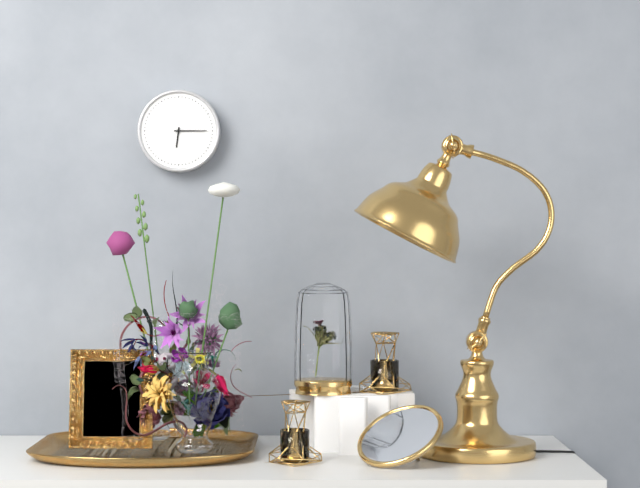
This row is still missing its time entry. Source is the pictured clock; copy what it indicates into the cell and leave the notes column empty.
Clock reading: 6:15
